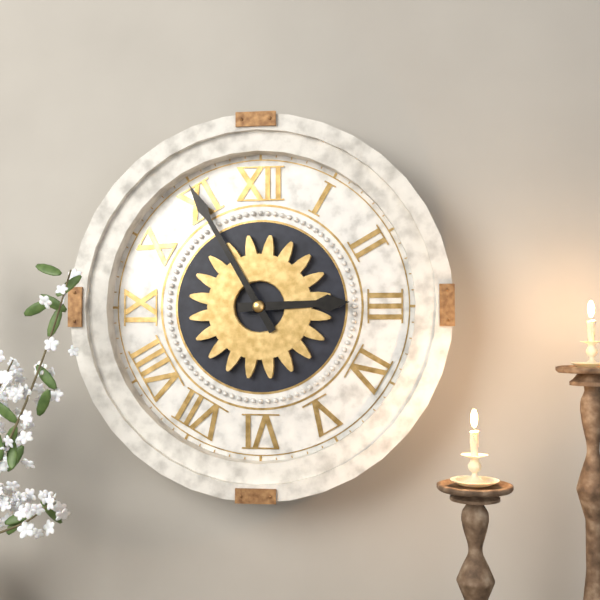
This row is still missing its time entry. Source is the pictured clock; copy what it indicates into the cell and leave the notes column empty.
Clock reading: 2:55
